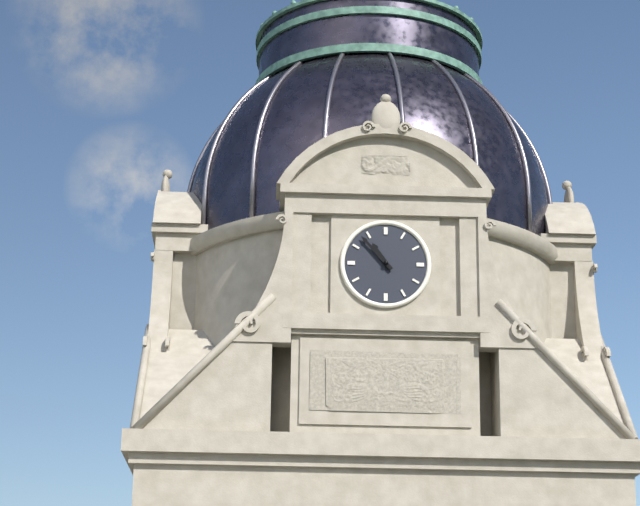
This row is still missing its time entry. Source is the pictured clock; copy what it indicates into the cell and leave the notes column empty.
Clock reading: 10:53
